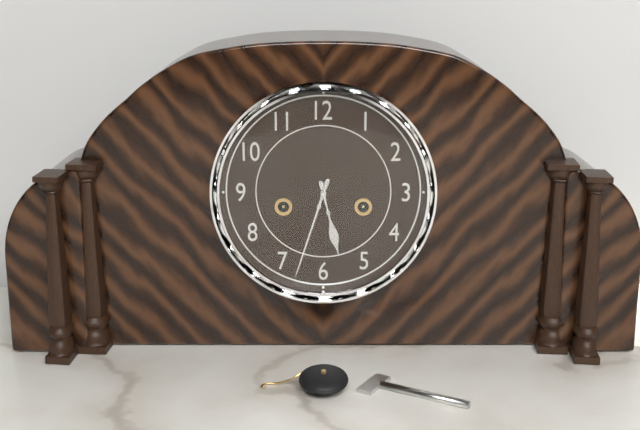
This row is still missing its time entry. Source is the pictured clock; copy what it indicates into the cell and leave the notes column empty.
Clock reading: 5:33
